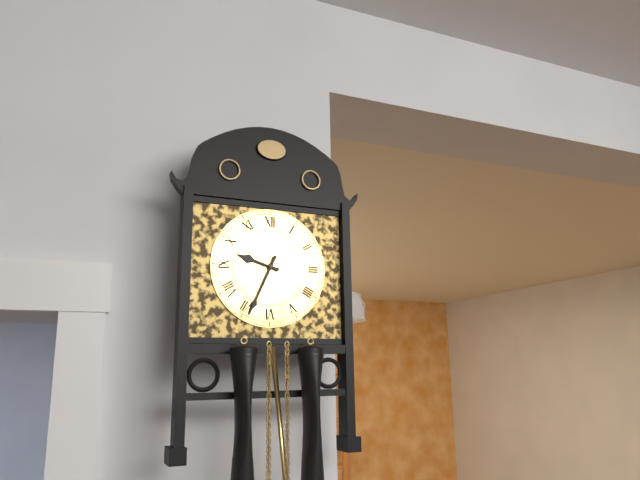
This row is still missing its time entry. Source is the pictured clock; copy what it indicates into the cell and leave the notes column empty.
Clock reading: 9:34
